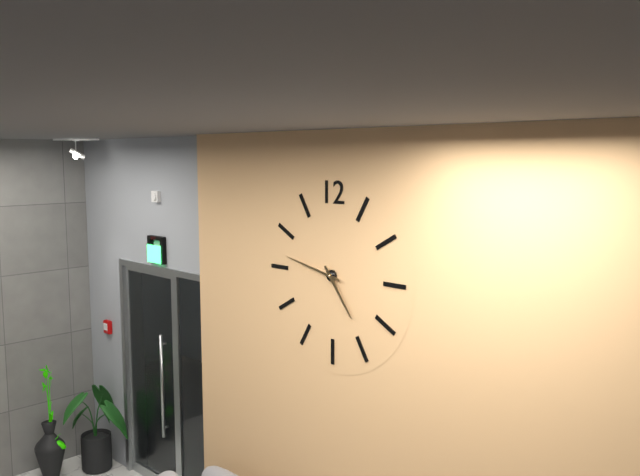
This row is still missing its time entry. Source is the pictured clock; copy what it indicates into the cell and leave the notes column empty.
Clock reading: 4:47
